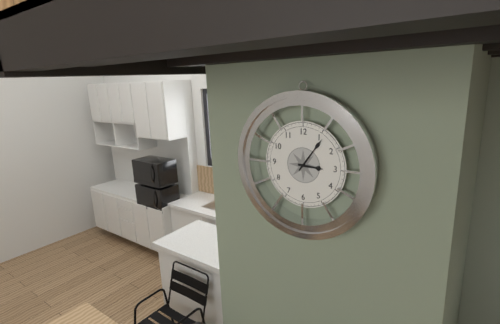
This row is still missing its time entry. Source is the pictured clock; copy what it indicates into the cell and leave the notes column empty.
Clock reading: 3:06
